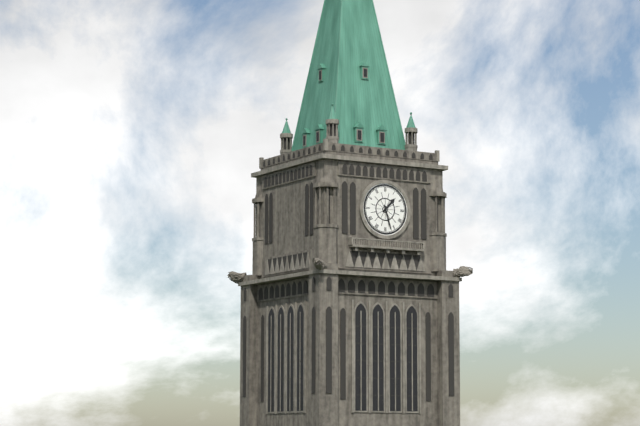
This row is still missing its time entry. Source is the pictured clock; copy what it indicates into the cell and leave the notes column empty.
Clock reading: 1:27
